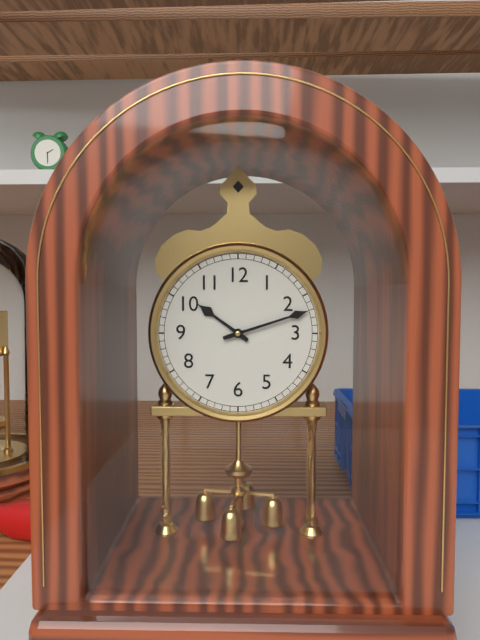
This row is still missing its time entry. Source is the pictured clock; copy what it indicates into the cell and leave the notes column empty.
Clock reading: 10:12
